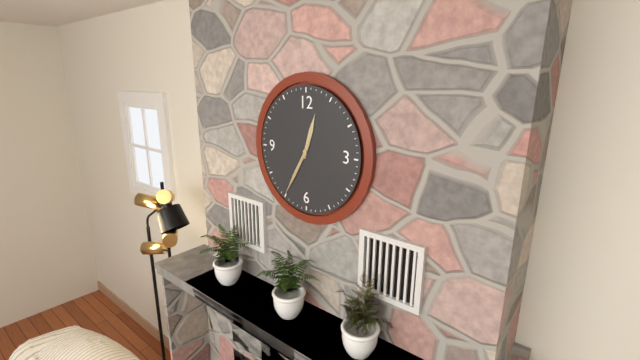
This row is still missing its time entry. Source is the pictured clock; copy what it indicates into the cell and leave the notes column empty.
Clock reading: 12:35
